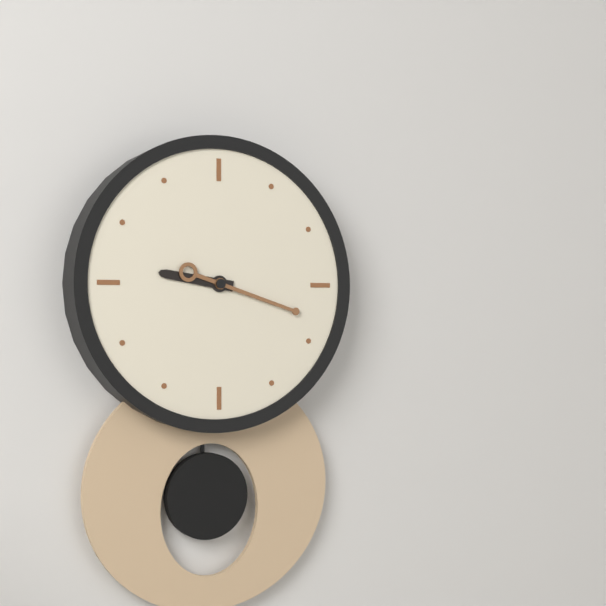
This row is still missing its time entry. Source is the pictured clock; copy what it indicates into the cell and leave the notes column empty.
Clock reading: 9:18
